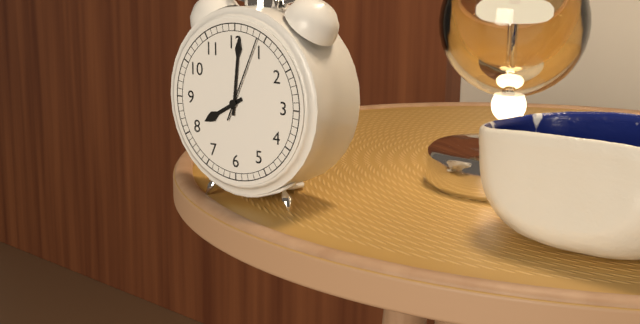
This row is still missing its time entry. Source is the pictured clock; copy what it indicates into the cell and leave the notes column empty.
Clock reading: 8:01:04
